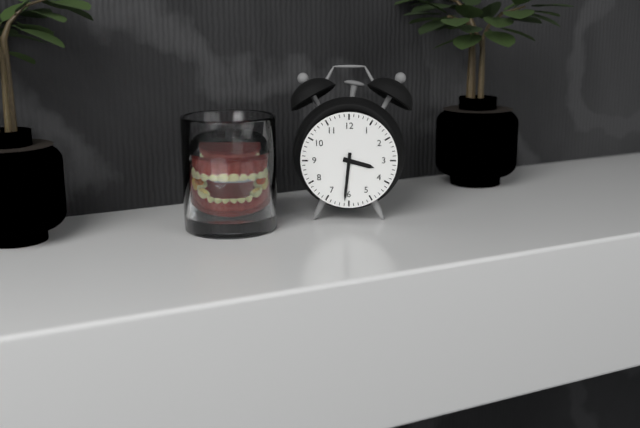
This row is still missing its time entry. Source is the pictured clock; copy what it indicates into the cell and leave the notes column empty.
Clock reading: 3:31
